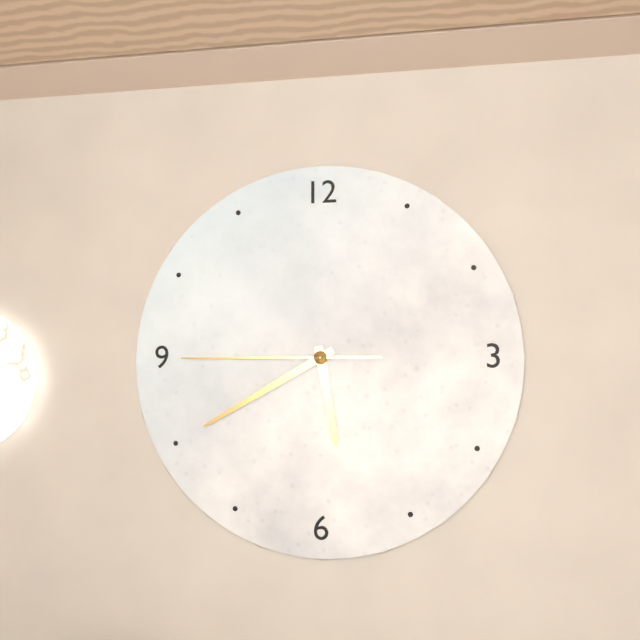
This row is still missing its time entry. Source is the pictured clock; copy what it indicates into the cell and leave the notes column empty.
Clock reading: 5:40:45
